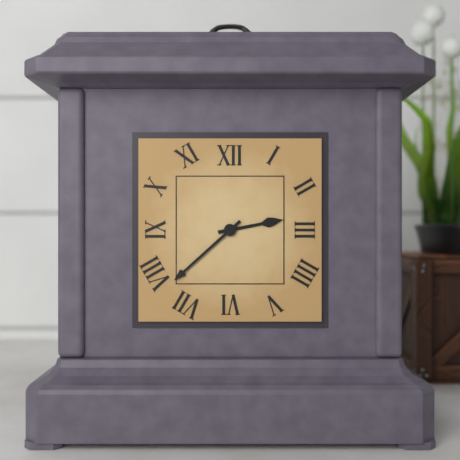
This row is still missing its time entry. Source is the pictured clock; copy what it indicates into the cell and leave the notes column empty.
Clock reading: 2:38
